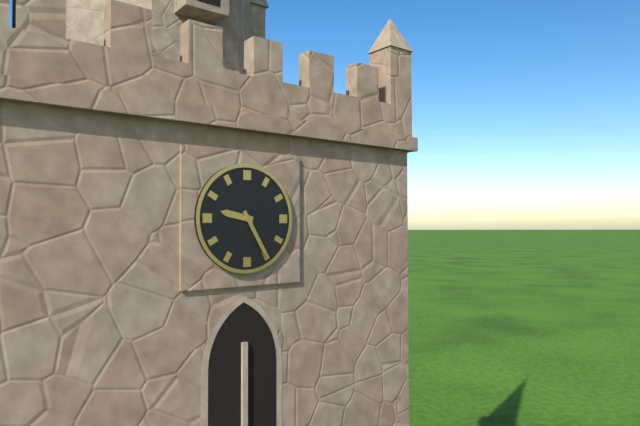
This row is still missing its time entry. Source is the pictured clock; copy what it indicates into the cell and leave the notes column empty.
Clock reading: 9:25
